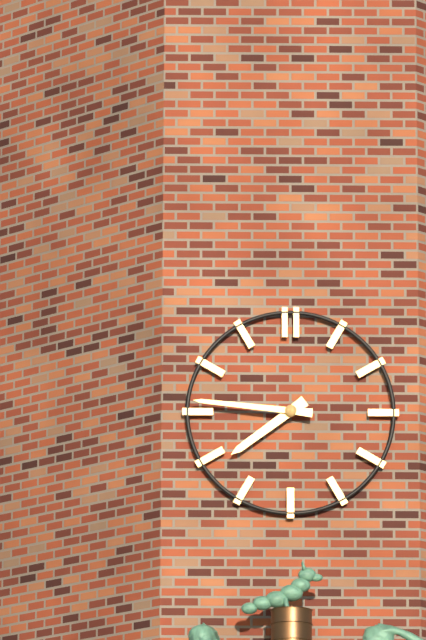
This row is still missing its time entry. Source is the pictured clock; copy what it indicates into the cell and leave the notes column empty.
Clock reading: 7:46
